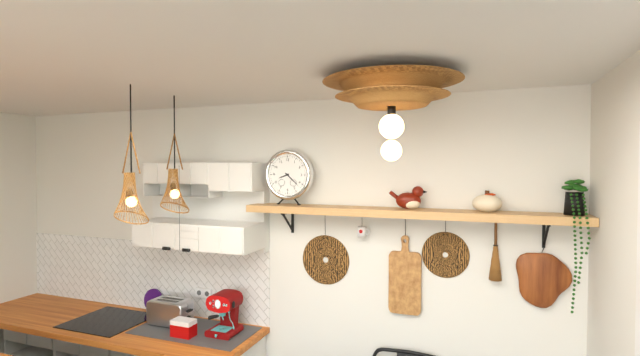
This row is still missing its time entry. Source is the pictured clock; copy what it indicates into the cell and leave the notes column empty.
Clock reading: 8:22
